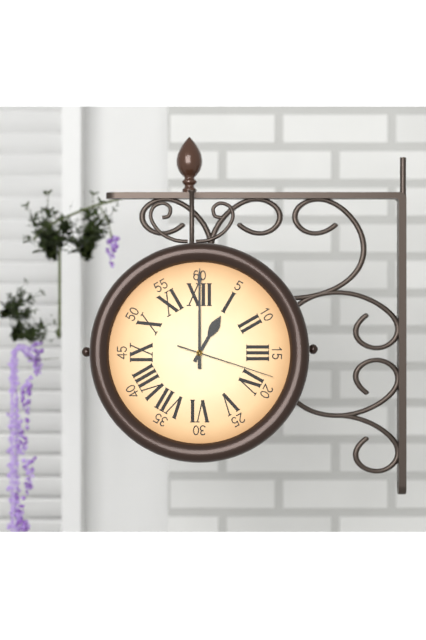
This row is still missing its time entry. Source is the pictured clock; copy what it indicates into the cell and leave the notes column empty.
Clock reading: 1:00:18
